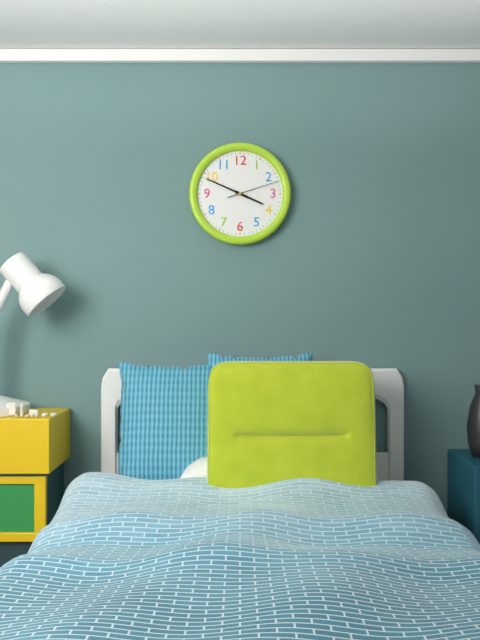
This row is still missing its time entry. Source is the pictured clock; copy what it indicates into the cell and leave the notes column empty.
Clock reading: 3:49:12
